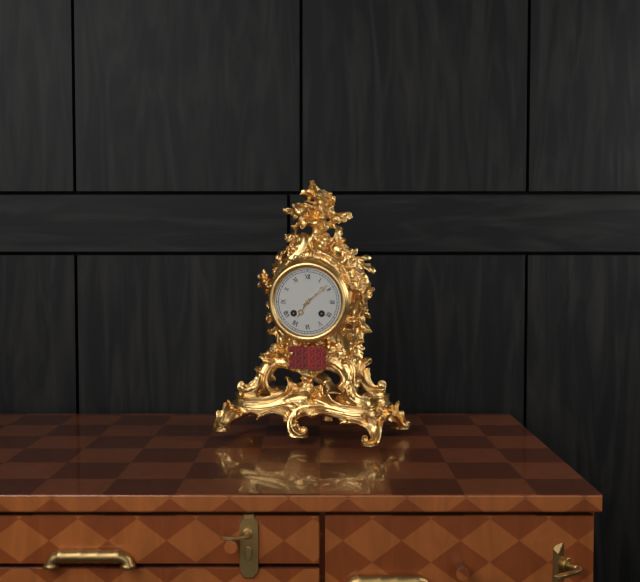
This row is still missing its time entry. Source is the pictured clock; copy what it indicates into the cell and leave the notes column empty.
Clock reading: 7:08
